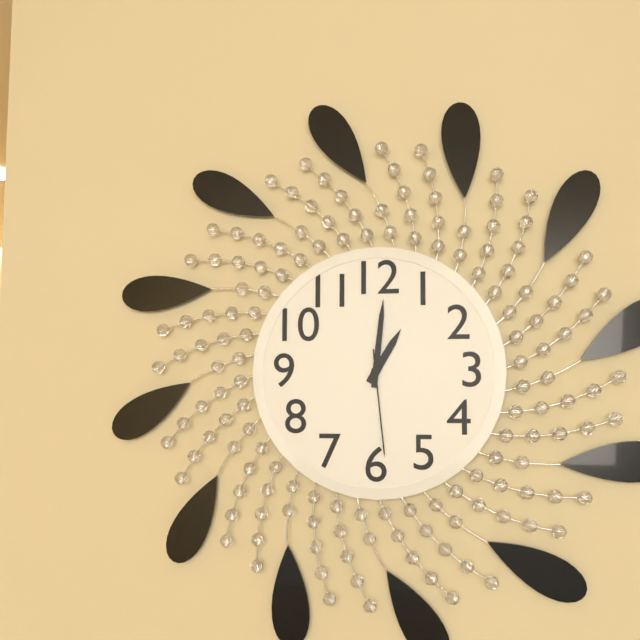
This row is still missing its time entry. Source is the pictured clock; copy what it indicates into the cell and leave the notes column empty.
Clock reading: 1:01:29
